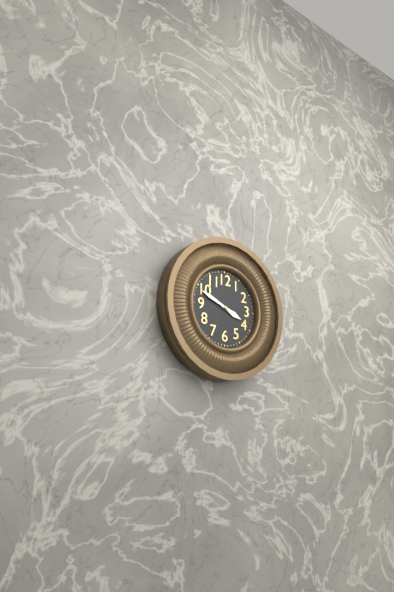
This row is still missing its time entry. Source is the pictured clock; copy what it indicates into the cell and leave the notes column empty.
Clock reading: 3:49
